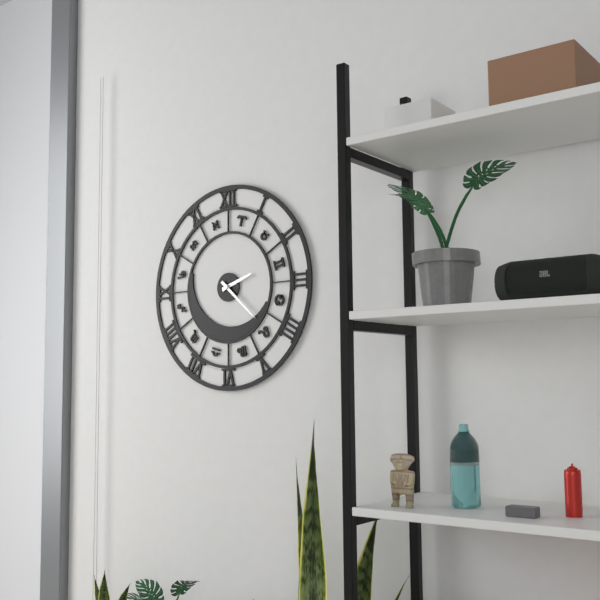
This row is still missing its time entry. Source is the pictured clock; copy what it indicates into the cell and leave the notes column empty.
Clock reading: 2:22
